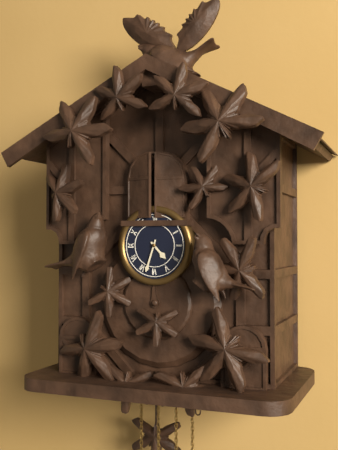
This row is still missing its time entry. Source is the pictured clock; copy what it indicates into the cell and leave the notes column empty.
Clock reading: 4:33
